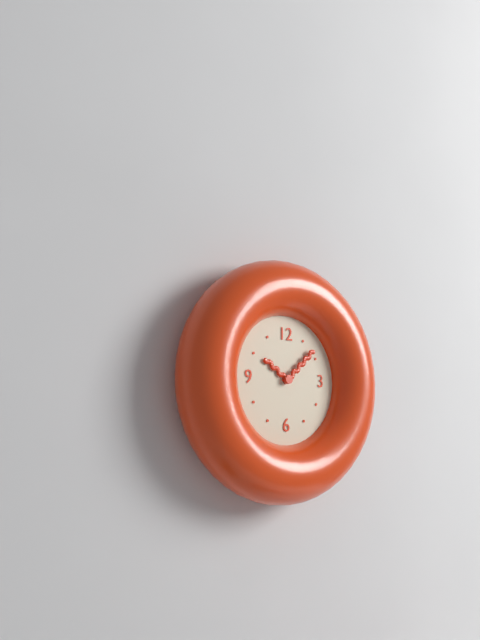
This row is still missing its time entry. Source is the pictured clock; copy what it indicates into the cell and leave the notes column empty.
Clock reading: 10:08
